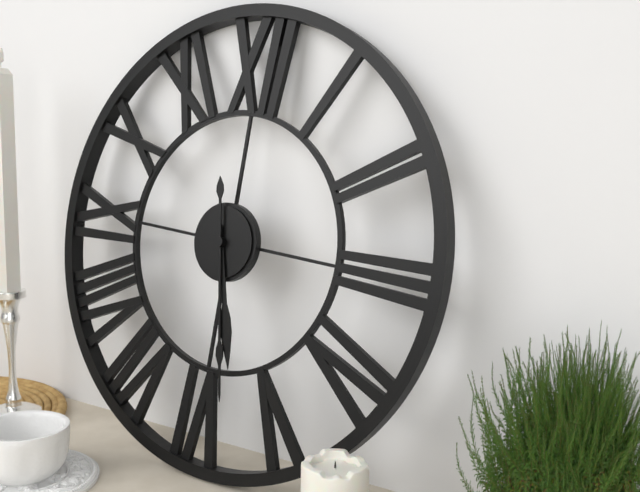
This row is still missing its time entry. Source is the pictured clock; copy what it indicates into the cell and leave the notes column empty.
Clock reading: 5:28
